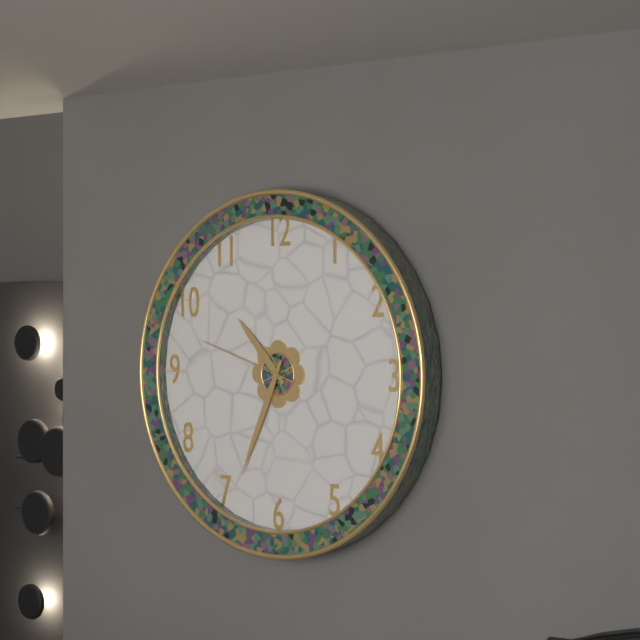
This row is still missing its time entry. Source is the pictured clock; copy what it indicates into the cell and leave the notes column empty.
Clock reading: 10:34:48
